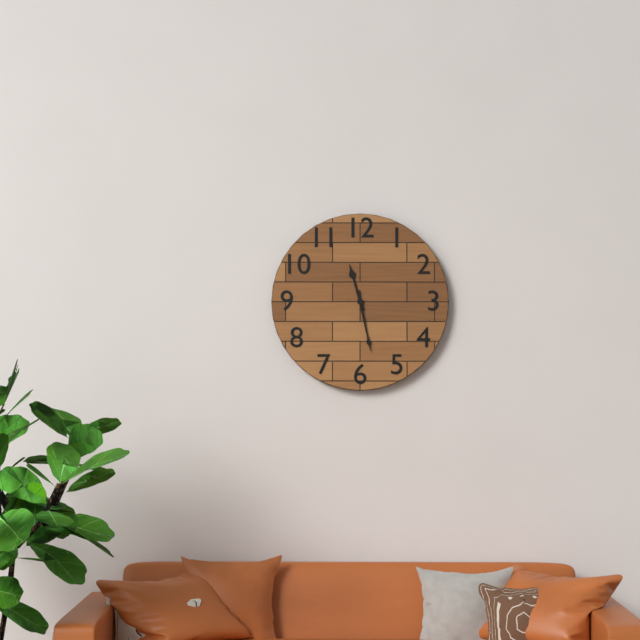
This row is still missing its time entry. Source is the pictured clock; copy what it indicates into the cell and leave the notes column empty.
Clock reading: 11:28
